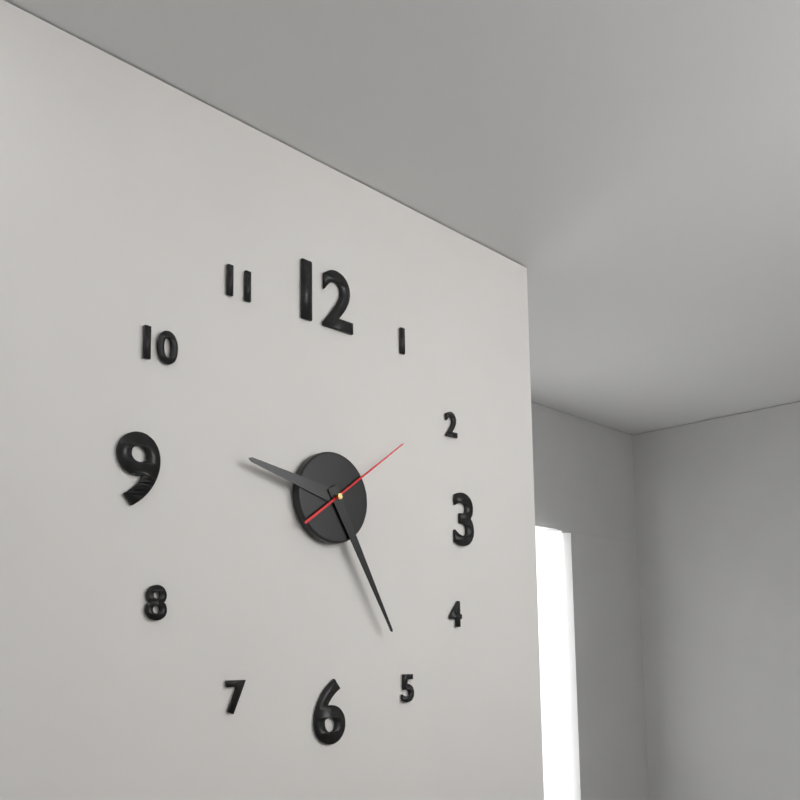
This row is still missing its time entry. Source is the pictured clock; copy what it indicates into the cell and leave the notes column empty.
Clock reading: 9:25:09
